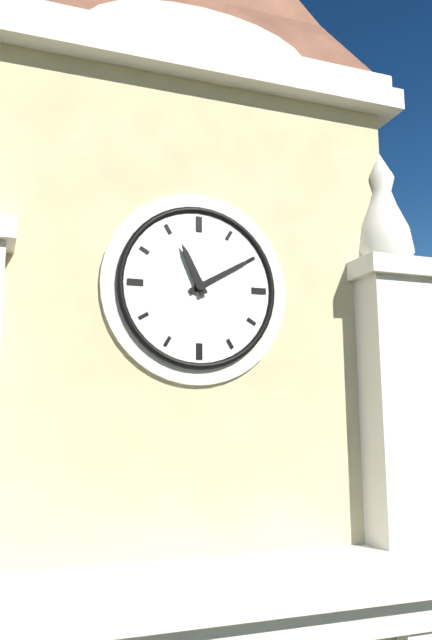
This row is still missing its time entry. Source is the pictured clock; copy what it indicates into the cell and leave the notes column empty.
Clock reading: 11:10
